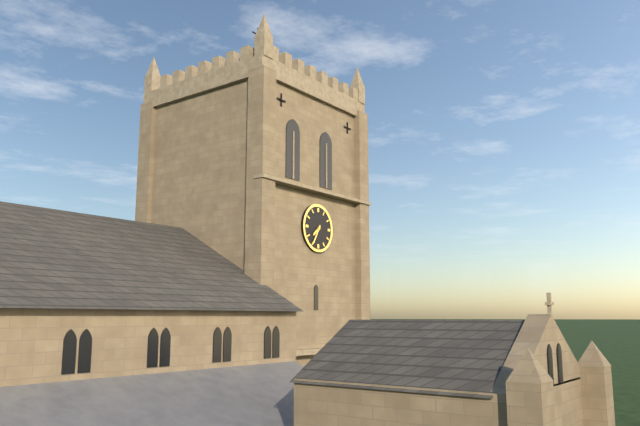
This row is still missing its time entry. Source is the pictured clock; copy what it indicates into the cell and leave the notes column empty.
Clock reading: 7:35
